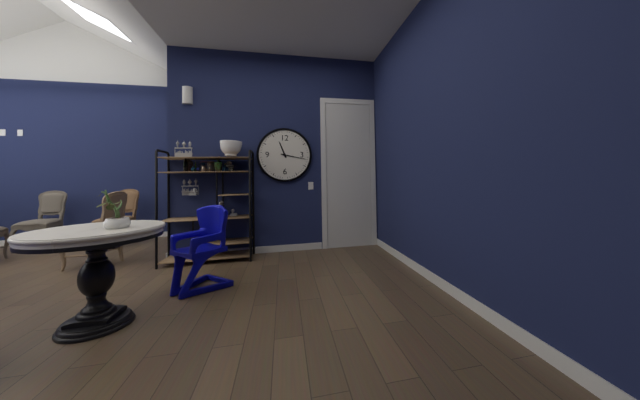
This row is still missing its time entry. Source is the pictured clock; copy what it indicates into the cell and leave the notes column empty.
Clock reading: 11:17
